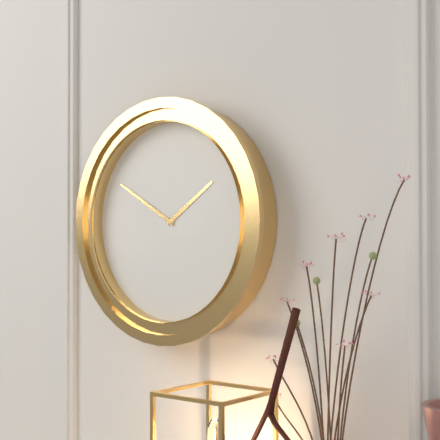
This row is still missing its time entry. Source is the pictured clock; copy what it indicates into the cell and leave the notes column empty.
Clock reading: 1:50
